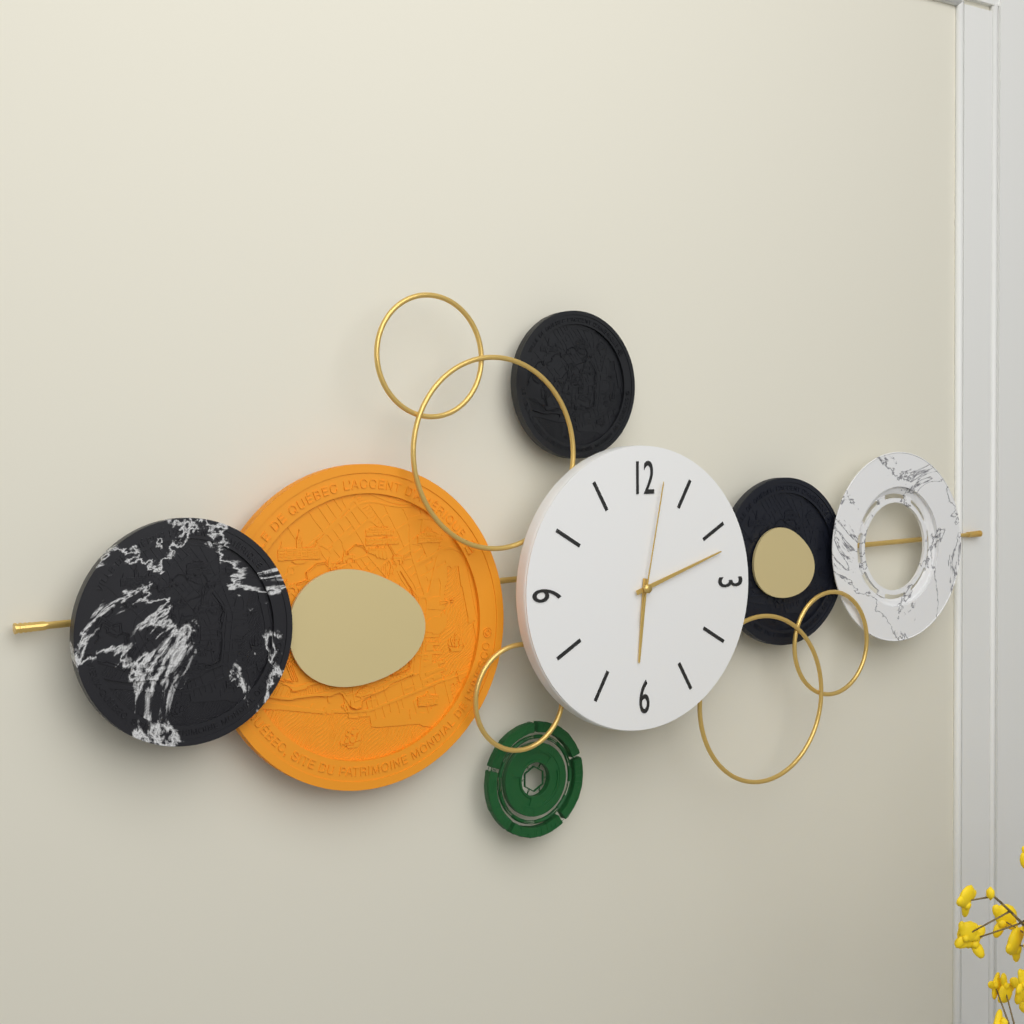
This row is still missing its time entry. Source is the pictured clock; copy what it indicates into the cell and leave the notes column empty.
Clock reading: 6:12:02
